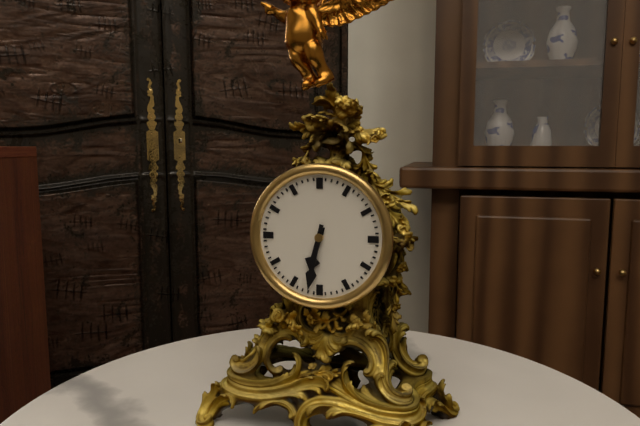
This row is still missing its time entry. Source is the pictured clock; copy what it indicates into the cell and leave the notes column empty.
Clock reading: 6:32
